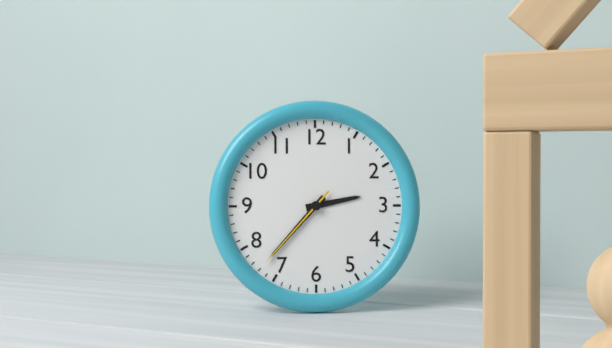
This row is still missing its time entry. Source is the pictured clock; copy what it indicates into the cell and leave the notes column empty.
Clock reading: 2:37:37
